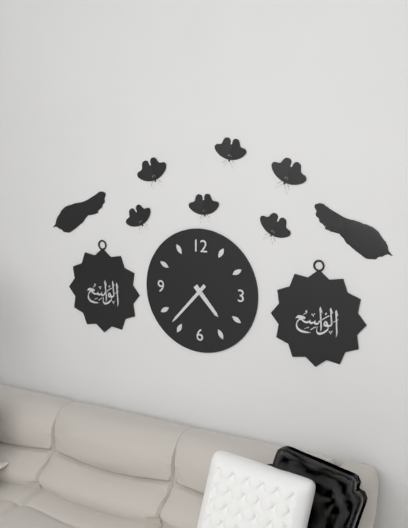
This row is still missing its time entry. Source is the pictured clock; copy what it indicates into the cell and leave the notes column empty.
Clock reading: 4:37
